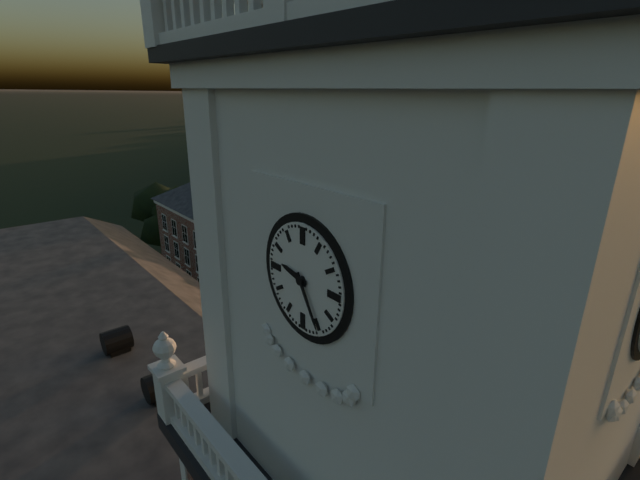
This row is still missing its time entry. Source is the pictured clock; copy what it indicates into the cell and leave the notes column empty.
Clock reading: 9:25
